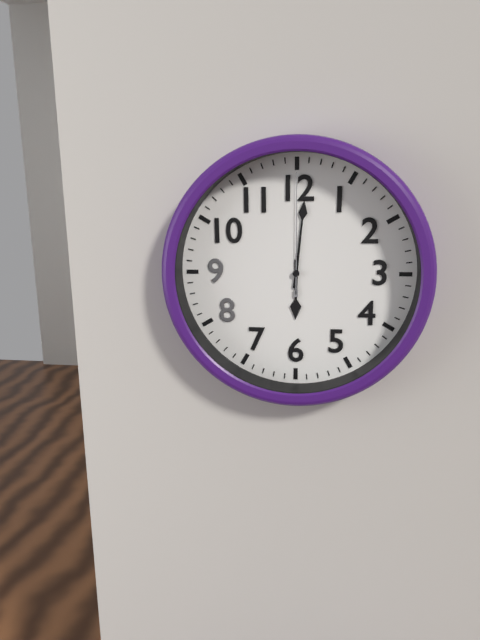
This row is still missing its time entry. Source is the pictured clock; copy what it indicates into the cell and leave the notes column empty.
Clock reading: 6:01:00
